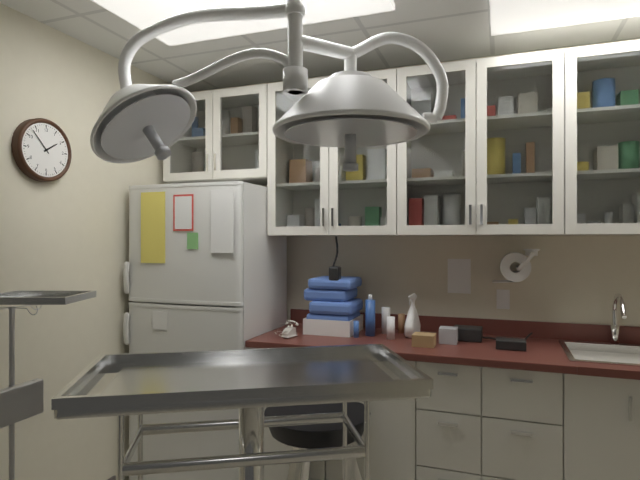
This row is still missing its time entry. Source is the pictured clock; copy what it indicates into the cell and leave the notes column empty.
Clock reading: 1:53
